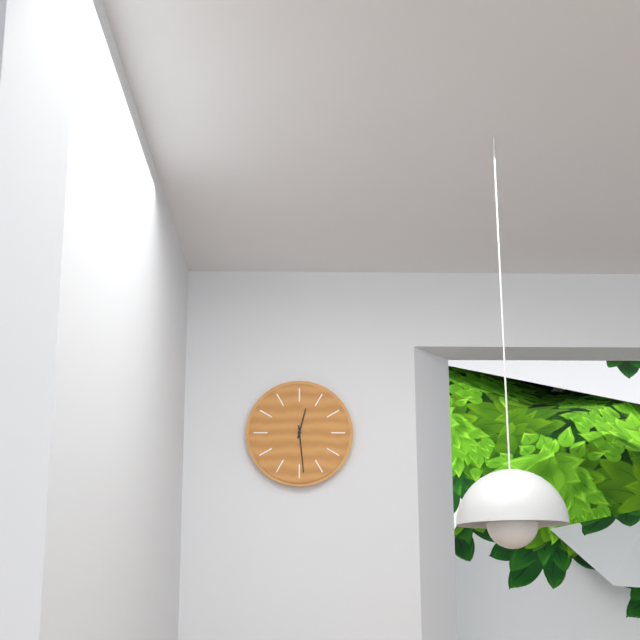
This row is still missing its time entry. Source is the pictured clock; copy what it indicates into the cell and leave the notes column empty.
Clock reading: 12:29
